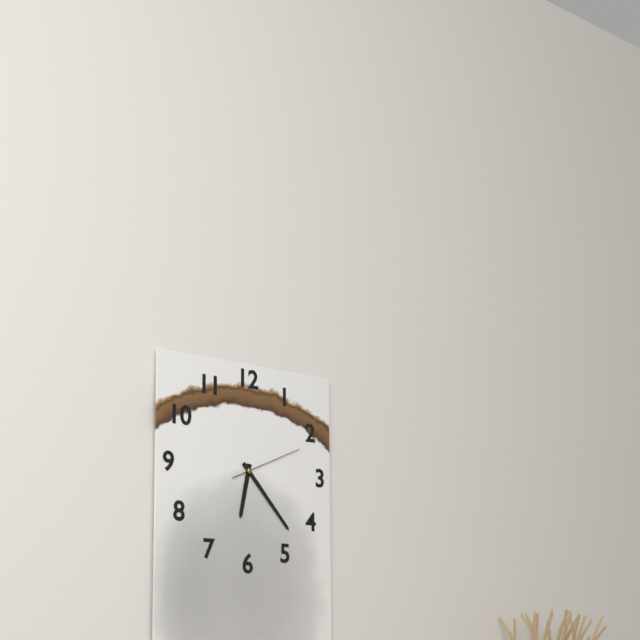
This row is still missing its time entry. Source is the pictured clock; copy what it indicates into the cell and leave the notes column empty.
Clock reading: 6:23:11
